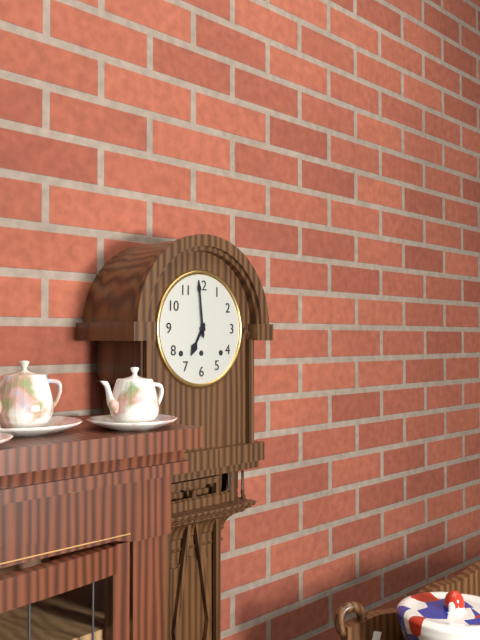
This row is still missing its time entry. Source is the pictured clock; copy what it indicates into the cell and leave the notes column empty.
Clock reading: 6:59
